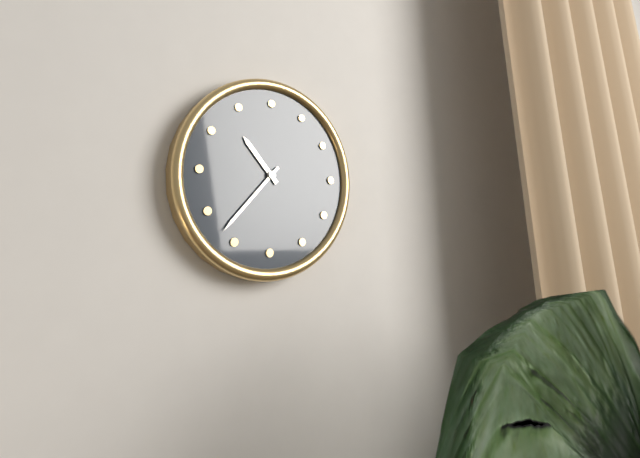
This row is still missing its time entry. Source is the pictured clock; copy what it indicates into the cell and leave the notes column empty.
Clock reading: 10:37
